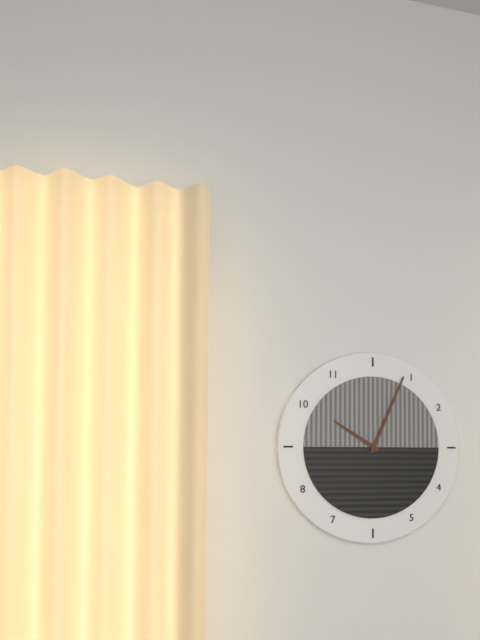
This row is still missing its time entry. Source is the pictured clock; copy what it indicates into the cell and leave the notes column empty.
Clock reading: 10:04
